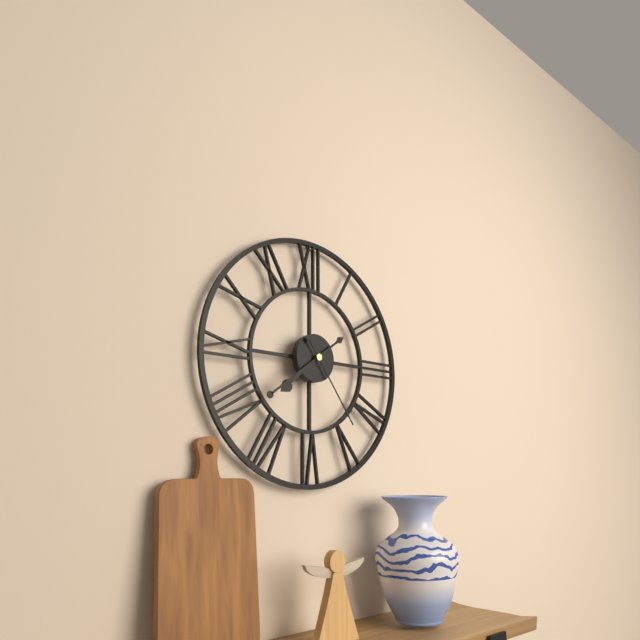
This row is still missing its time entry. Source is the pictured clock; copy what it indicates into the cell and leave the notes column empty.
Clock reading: 7:39:24
